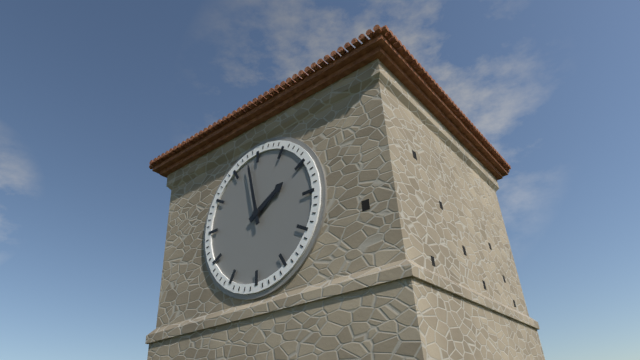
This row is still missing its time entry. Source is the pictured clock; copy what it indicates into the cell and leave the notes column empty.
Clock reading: 1:58
